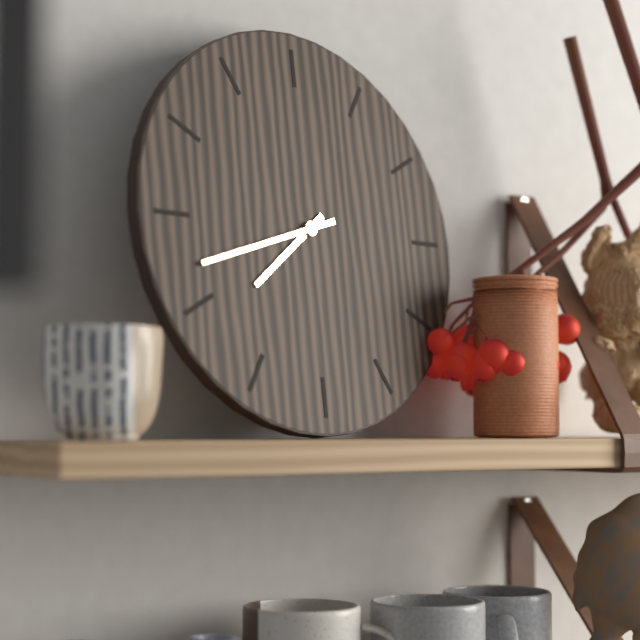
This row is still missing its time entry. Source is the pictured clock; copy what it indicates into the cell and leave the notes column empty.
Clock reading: 7:42
